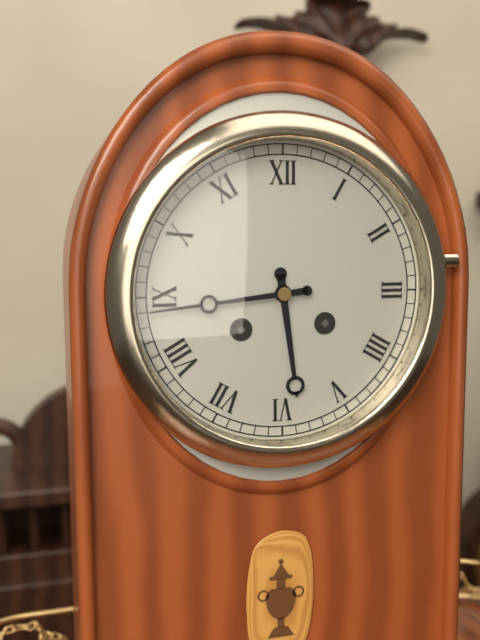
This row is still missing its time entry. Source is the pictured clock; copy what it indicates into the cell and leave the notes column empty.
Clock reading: 5:44
